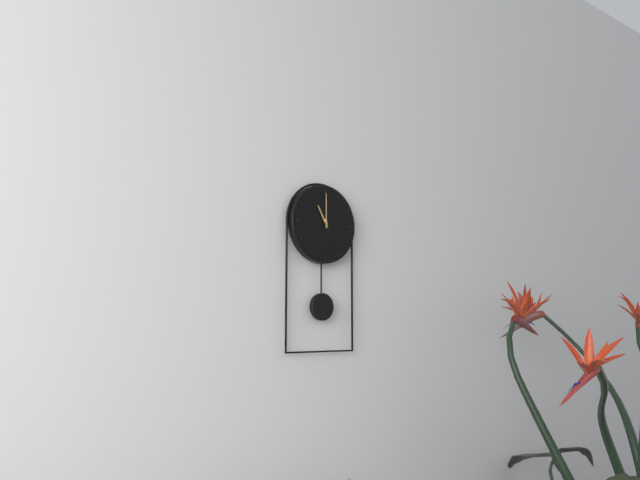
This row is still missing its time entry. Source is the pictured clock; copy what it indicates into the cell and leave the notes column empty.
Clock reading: 11:00
